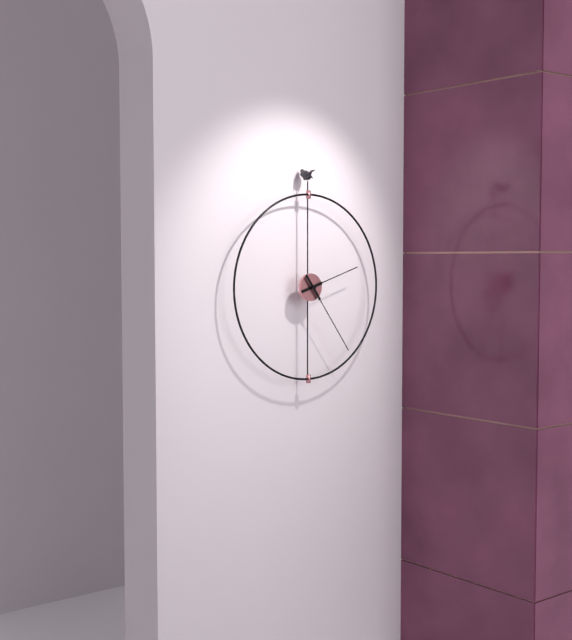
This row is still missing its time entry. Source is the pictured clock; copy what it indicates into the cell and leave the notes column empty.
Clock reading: 2:24
